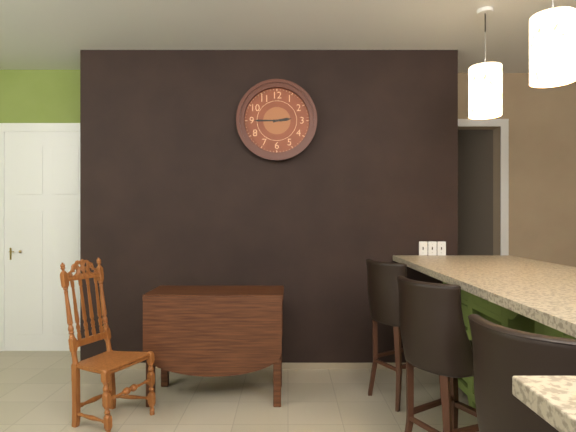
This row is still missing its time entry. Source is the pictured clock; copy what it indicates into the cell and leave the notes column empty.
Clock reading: 2:45
